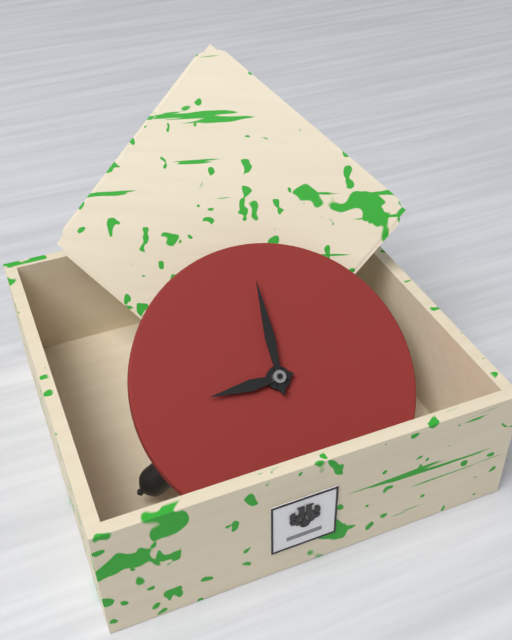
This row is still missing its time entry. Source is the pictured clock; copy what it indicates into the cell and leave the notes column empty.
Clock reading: 9:01
